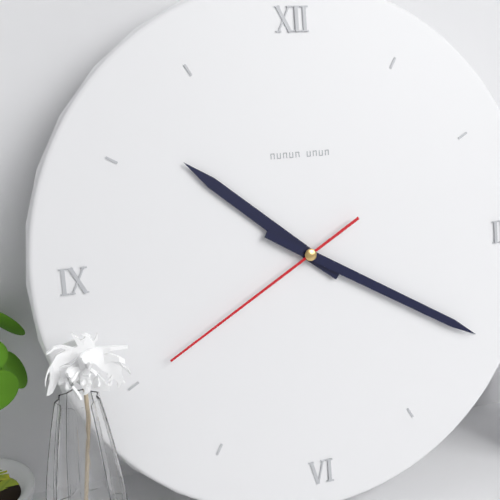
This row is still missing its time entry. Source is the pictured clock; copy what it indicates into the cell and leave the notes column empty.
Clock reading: 10:20:40
